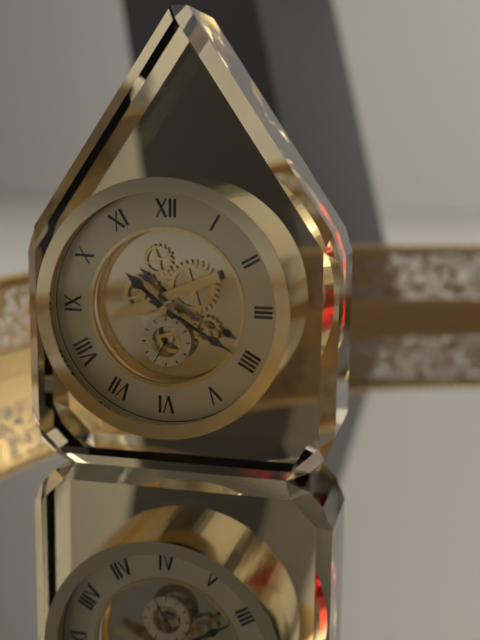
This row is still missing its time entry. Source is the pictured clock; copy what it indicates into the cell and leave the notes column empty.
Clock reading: 10:20
